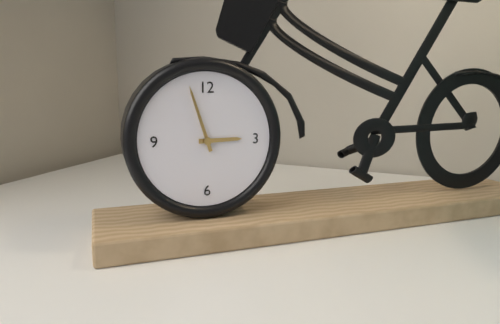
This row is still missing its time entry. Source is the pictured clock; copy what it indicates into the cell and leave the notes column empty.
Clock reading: 2:57
